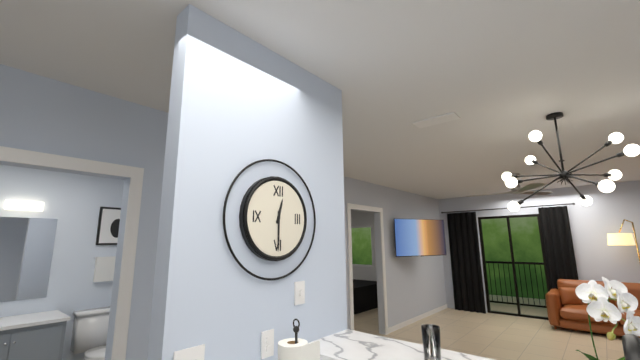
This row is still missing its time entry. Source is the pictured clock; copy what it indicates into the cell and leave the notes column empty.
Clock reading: 12:30
